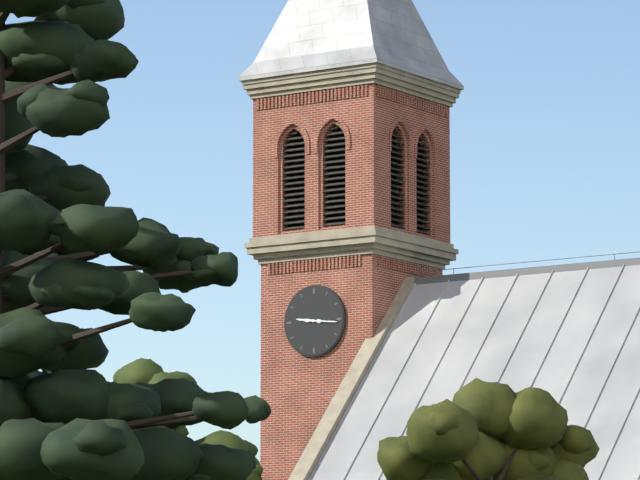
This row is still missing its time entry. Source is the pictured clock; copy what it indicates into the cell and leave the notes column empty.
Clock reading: 9:16
